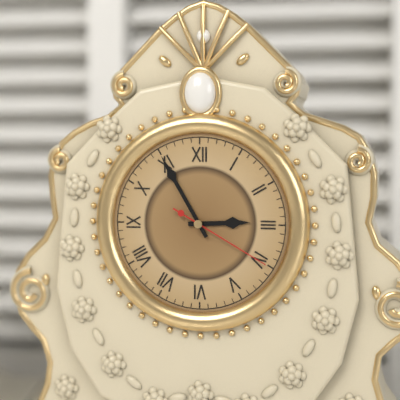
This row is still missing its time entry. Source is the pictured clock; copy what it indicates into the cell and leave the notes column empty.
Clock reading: 2:55:20
